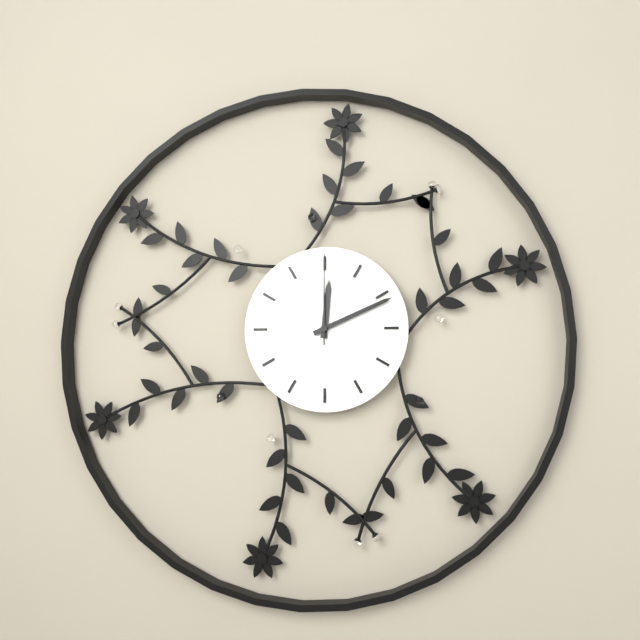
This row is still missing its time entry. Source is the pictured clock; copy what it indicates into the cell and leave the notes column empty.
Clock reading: 12:11:00
